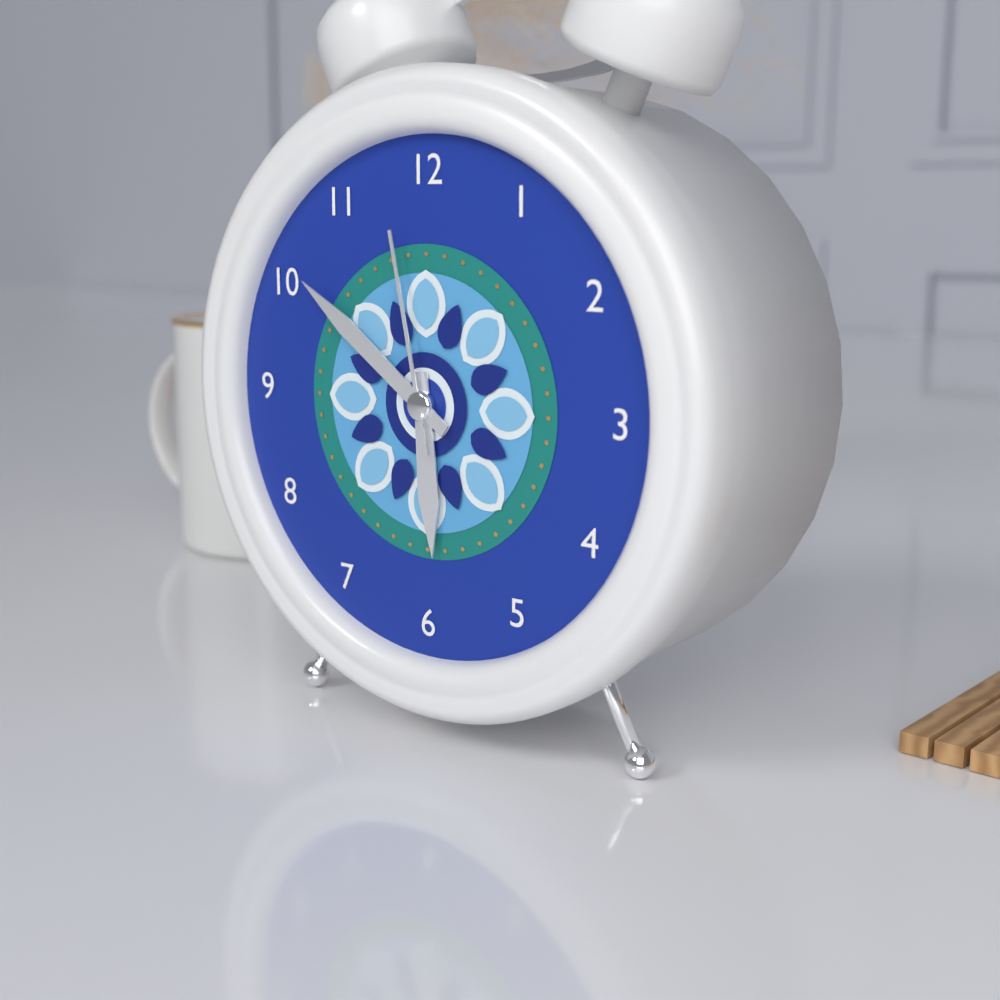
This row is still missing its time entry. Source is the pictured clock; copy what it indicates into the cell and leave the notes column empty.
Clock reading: 5:51:58
